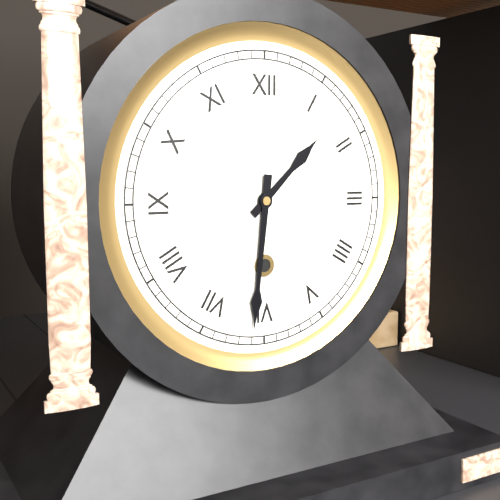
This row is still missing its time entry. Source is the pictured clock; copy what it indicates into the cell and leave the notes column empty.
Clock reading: 1:31
